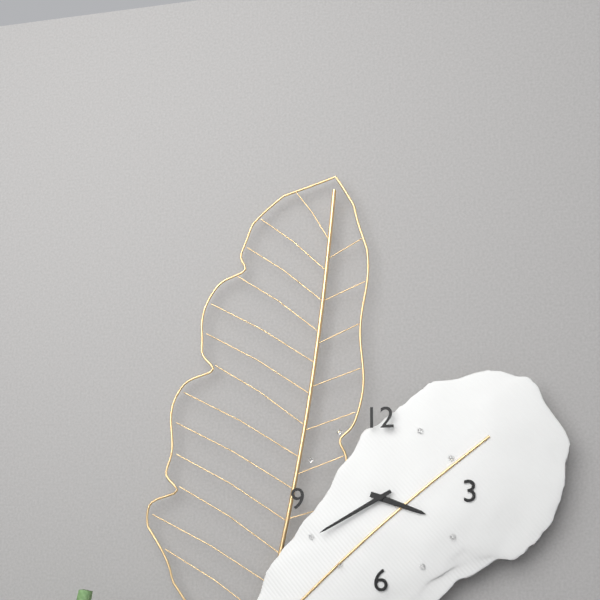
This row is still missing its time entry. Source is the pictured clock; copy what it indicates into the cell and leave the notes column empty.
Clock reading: 3:40
